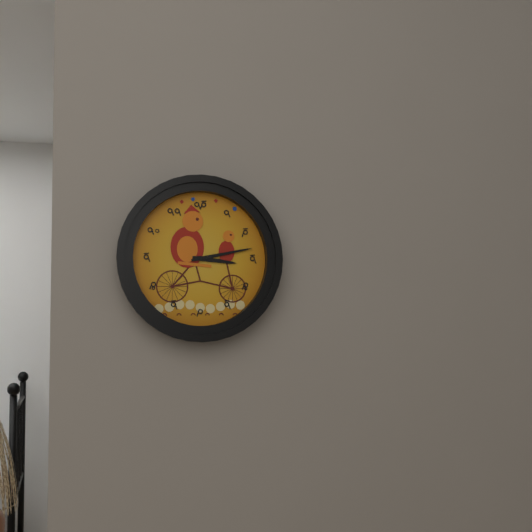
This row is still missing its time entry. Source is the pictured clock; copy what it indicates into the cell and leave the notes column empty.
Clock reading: 3:13
